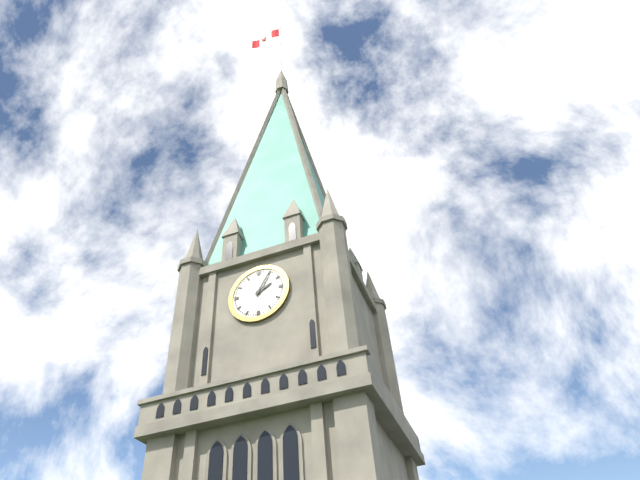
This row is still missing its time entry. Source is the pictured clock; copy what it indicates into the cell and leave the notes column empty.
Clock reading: 2:05
